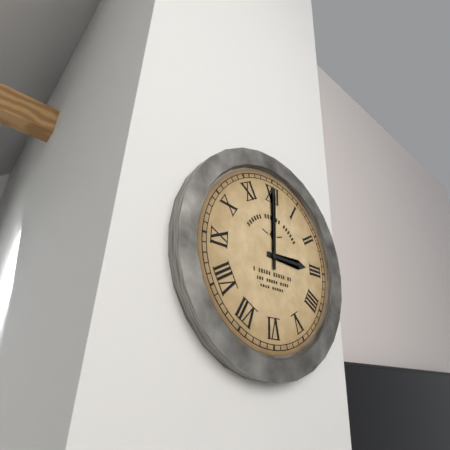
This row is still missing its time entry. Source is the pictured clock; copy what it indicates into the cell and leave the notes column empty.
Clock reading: 3:00
